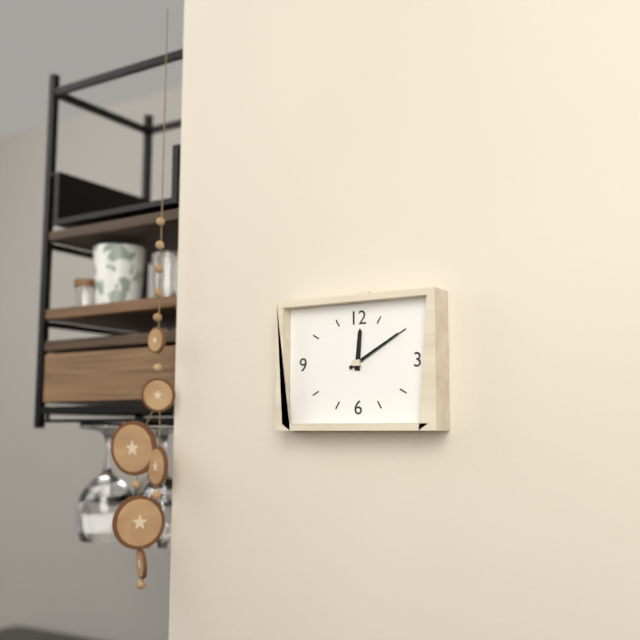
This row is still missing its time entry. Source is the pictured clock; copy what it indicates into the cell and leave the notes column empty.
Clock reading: 12:10
